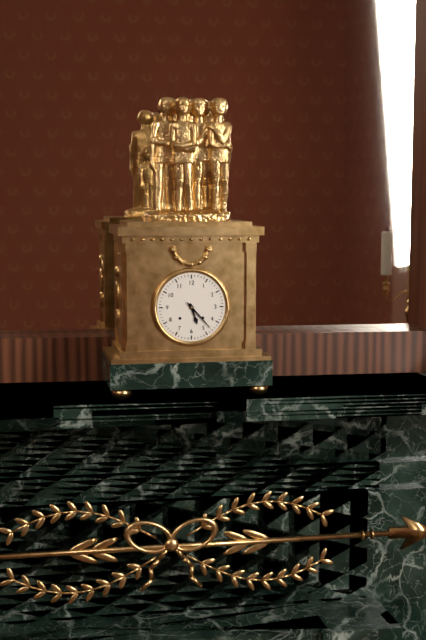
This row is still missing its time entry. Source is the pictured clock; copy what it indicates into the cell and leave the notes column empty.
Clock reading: 5:23
